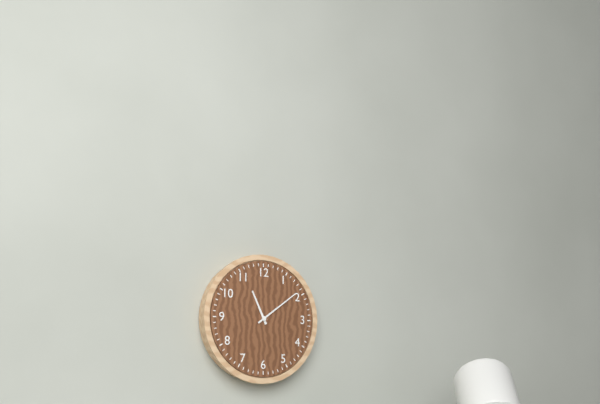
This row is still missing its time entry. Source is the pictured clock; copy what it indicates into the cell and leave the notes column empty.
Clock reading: 11:09
